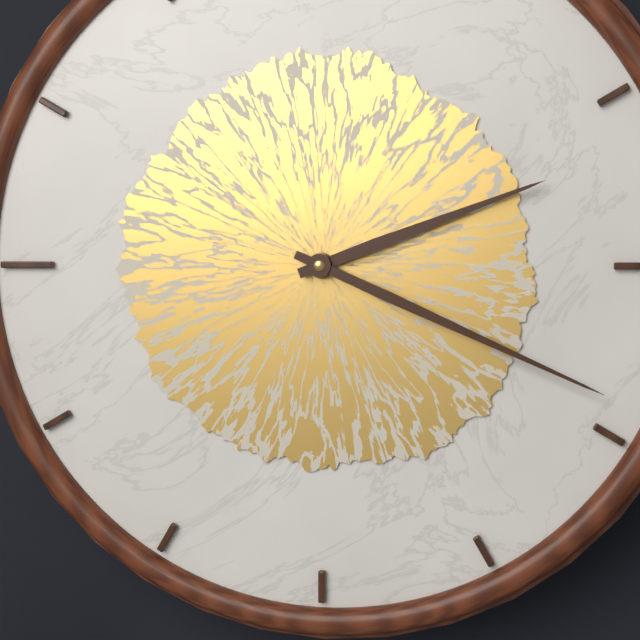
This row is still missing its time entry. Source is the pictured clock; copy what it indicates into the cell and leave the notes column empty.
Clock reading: 2:19
